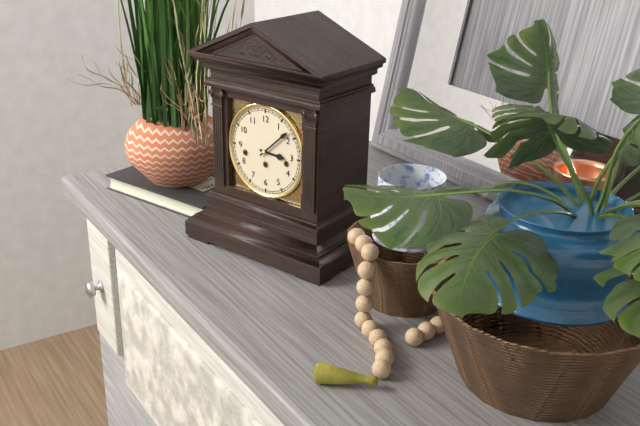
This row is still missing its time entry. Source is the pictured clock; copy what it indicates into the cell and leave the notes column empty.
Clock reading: 3:08
